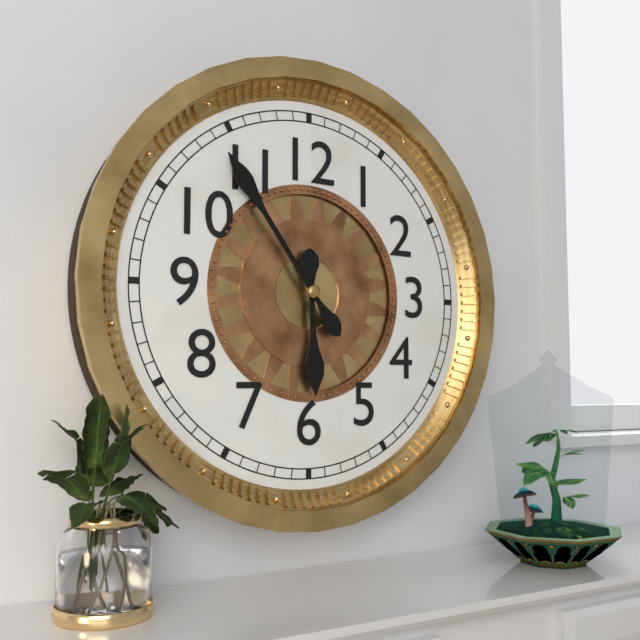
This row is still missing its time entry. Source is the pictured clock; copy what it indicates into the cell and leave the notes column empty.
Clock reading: 5:54
